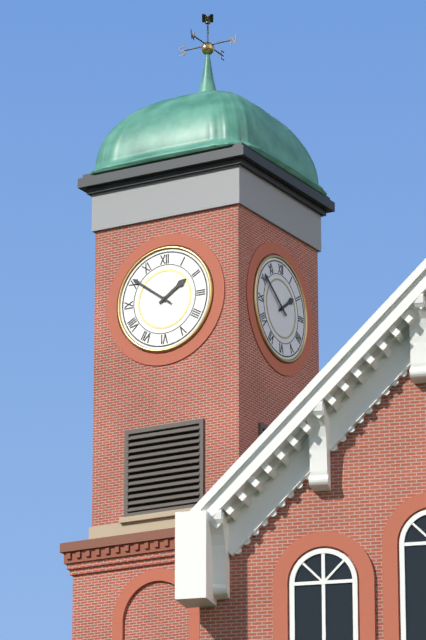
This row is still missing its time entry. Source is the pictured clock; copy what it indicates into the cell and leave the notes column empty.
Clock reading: 1:51
